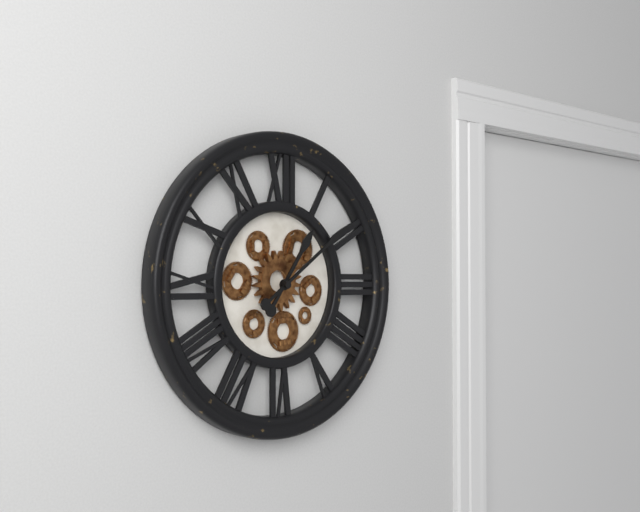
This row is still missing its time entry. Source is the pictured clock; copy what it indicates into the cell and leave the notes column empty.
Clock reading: 1:09
